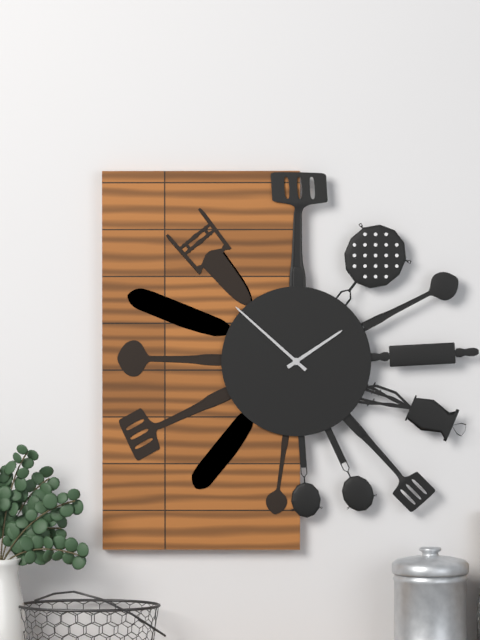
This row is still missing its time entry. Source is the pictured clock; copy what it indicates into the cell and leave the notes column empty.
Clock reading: 1:52
